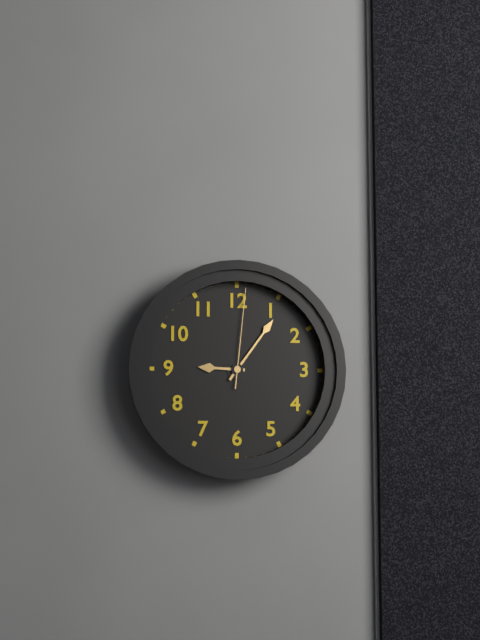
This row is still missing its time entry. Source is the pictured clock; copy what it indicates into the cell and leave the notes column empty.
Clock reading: 9:06:01
